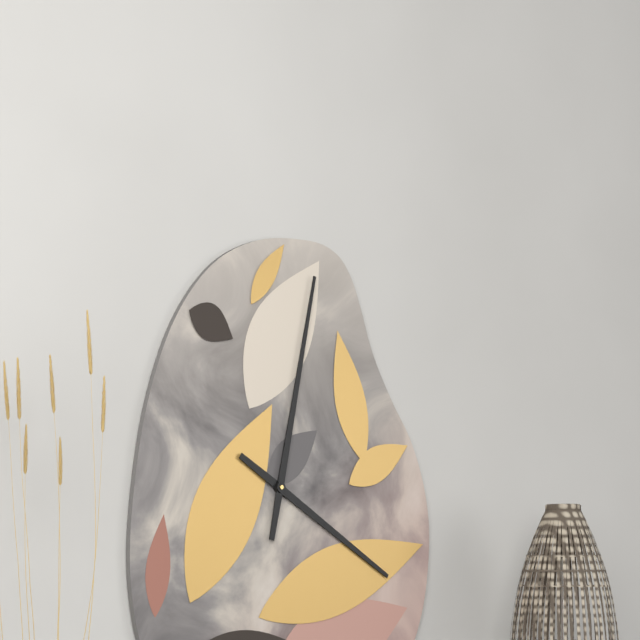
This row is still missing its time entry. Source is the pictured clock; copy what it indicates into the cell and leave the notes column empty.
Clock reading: 4:02
